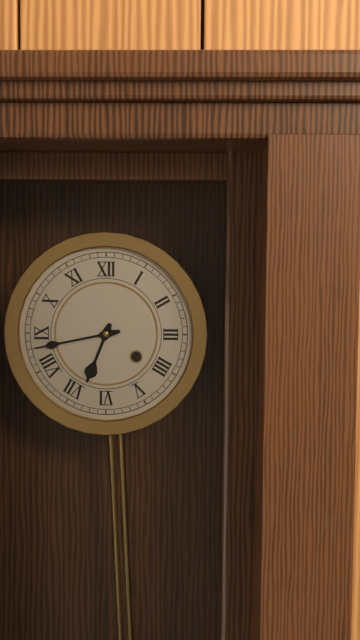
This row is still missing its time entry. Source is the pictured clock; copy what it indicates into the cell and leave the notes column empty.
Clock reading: 6:43
